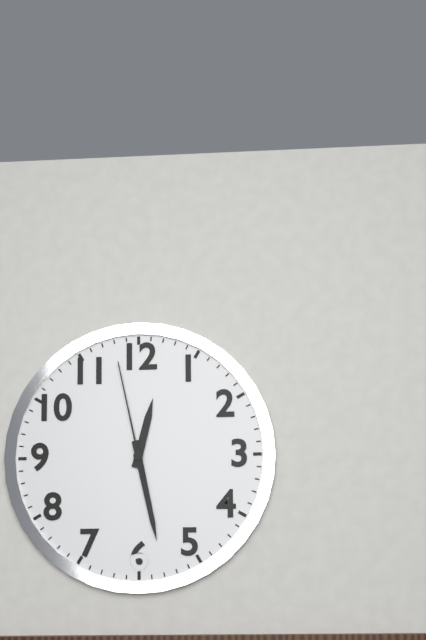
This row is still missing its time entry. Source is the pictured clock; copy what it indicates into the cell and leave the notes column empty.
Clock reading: 12:28:58
